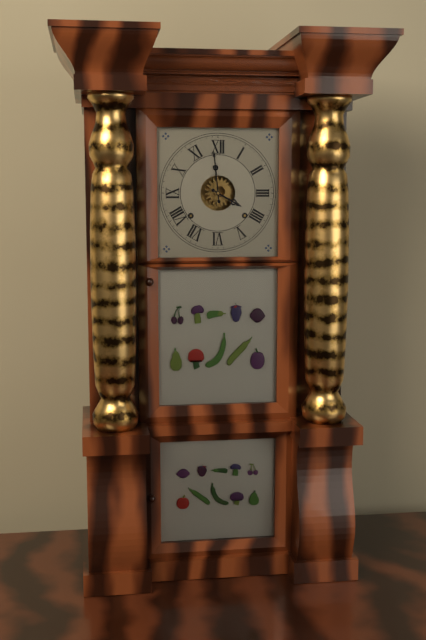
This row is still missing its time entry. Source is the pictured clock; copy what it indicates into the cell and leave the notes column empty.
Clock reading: 3:59
